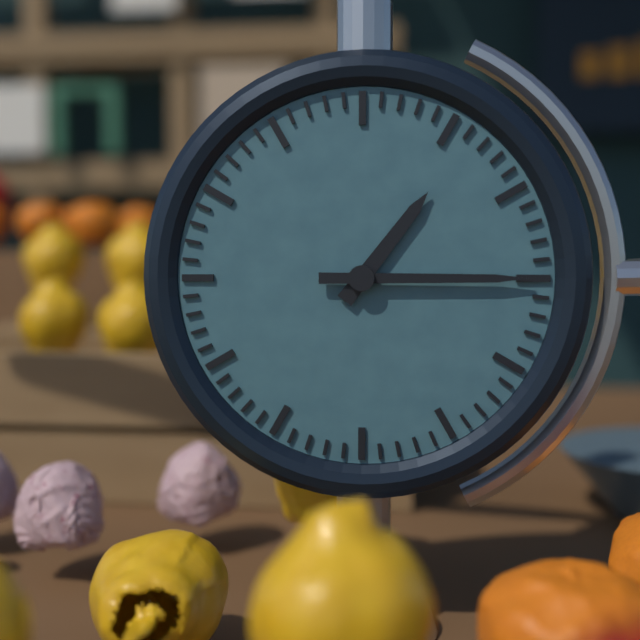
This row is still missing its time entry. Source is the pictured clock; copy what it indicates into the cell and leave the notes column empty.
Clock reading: 1:15
